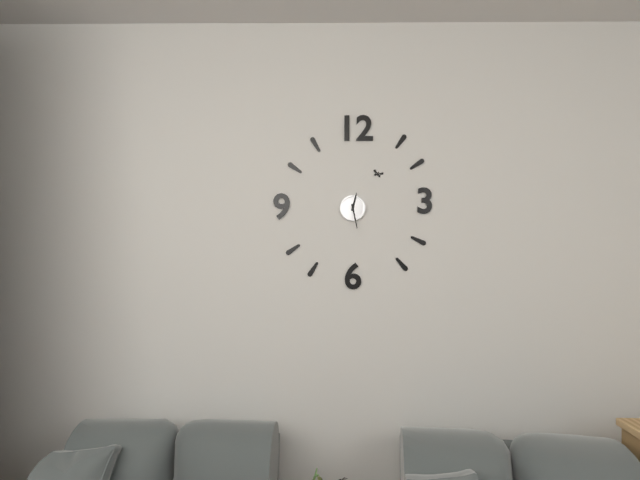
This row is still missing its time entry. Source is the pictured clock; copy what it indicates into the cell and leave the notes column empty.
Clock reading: 12:28
